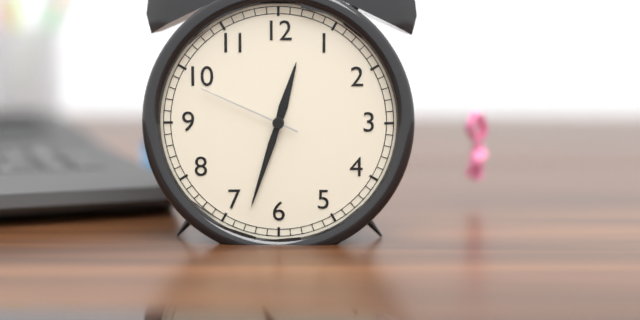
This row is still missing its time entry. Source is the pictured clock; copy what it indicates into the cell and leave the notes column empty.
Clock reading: 12:33:49
